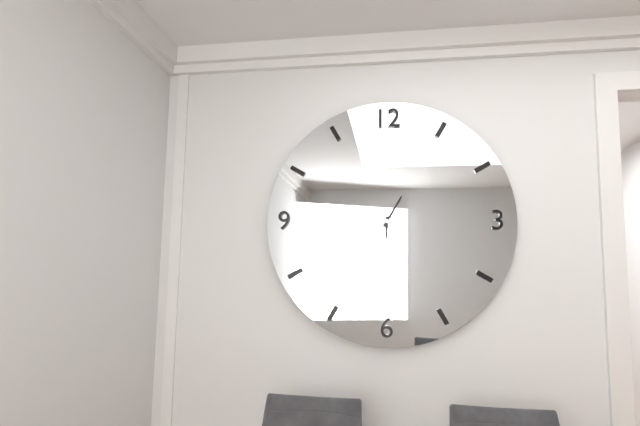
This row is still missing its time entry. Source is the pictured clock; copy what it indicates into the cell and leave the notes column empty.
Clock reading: 6:05
